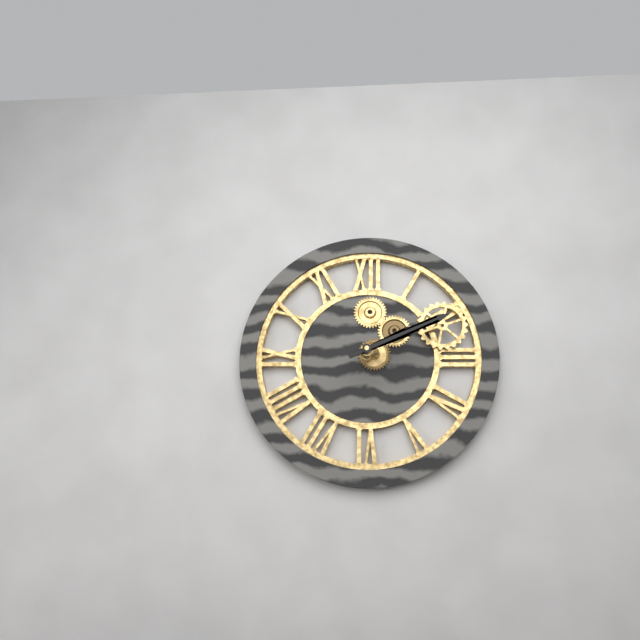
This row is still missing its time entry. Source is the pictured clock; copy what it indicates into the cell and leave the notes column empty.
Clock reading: 2:11
